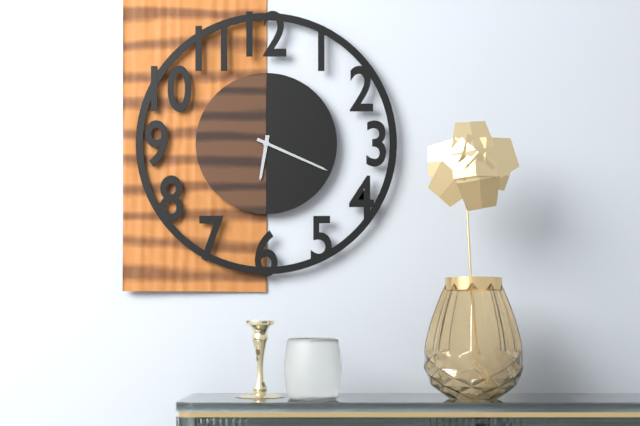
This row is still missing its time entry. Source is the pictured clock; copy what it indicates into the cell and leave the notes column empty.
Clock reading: 6:19
